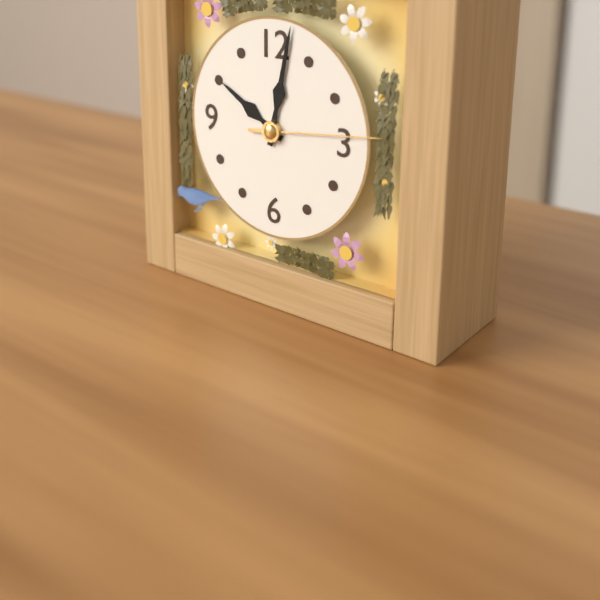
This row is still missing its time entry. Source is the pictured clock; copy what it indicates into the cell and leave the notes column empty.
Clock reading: 10:02:14
